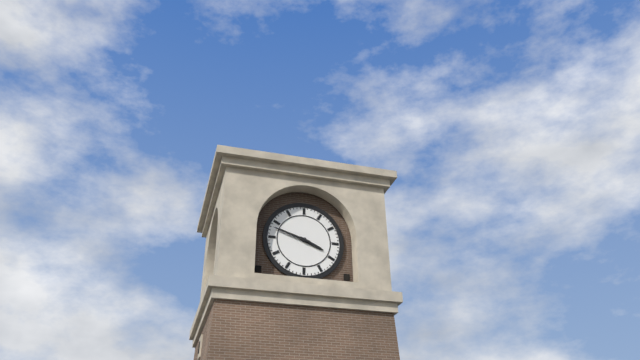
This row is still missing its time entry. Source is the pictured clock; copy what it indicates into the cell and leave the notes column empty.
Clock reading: 3:48
